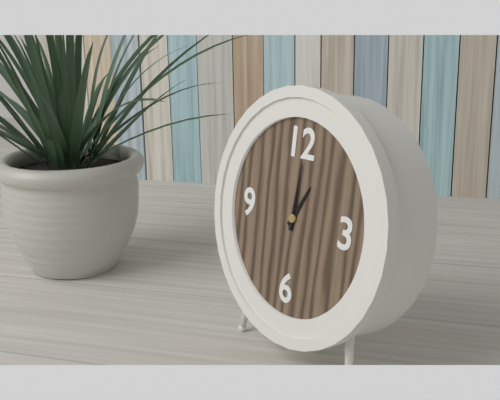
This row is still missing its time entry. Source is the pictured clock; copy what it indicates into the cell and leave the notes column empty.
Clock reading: 1:01
